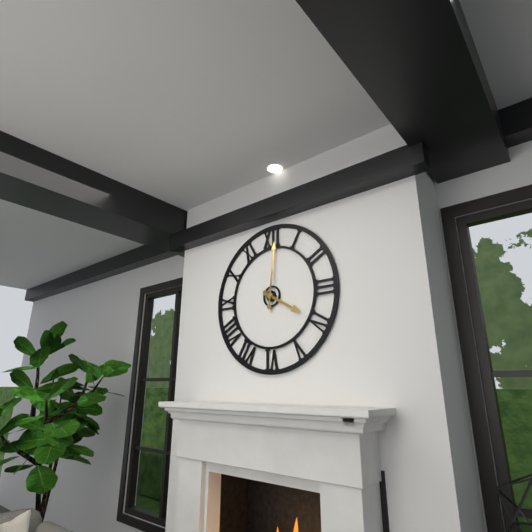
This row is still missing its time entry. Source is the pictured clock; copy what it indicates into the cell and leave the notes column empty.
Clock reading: 4:01
